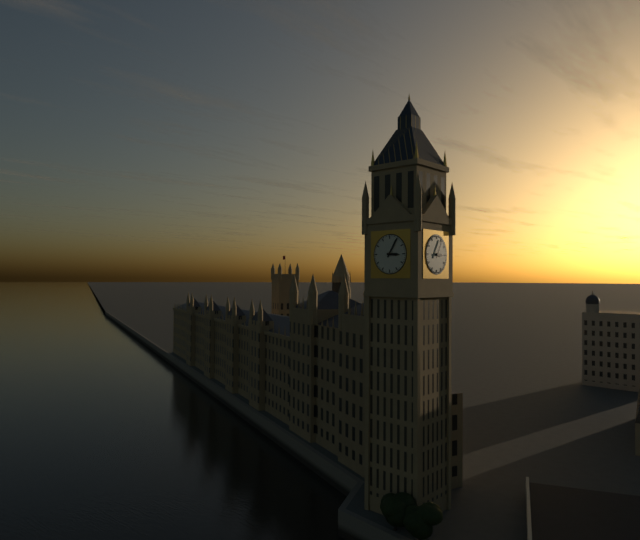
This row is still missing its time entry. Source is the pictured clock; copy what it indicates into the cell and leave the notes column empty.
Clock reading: 3:05
